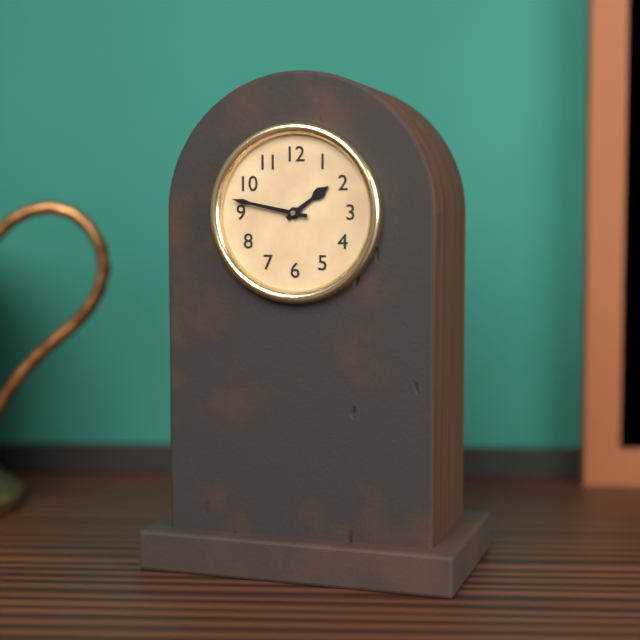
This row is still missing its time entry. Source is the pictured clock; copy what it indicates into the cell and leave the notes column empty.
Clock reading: 1:47
